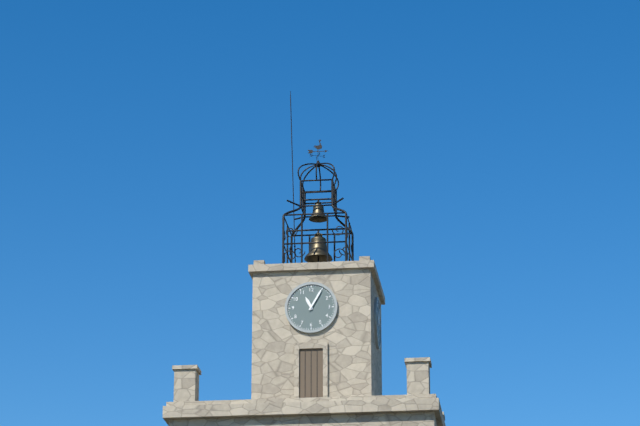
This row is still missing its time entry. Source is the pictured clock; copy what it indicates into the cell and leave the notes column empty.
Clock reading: 11:05
